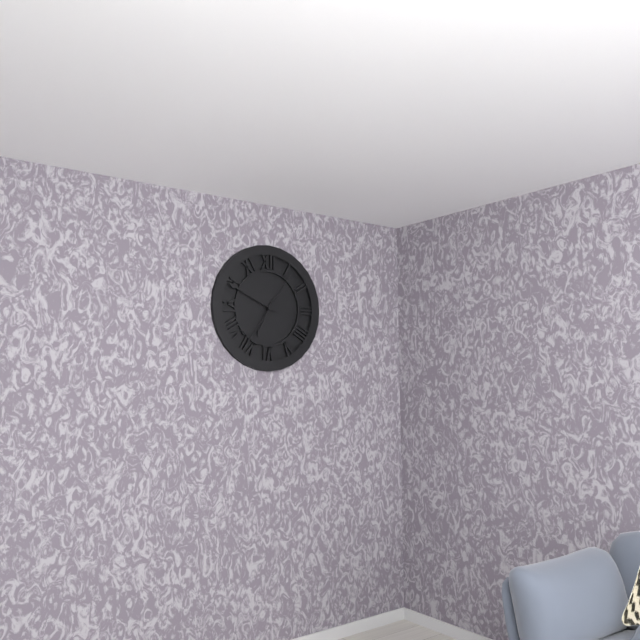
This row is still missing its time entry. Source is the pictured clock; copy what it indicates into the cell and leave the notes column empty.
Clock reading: 6:49:36
